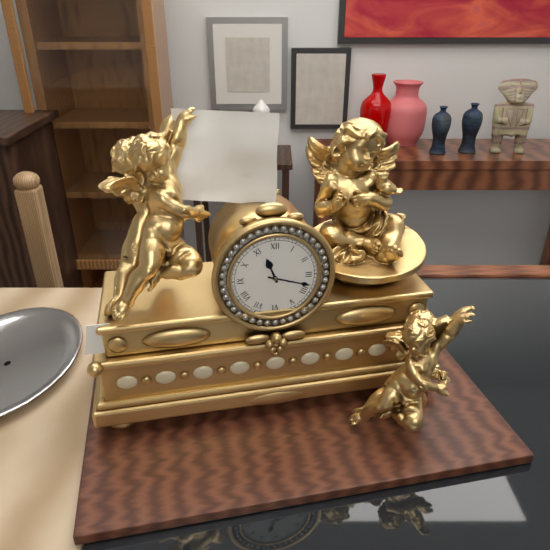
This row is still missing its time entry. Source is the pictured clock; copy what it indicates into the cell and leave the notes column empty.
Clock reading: 11:18
